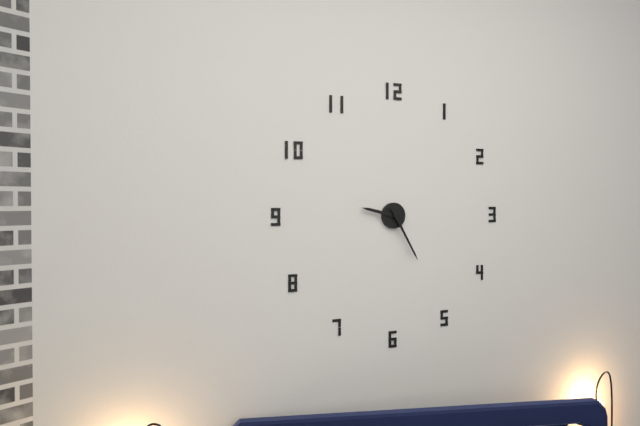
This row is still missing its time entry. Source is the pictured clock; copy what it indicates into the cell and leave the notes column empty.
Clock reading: 9:25
